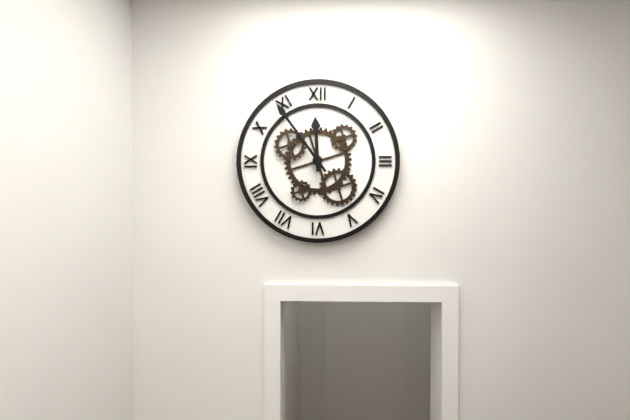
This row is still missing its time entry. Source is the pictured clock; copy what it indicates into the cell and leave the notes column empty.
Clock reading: 11:54
